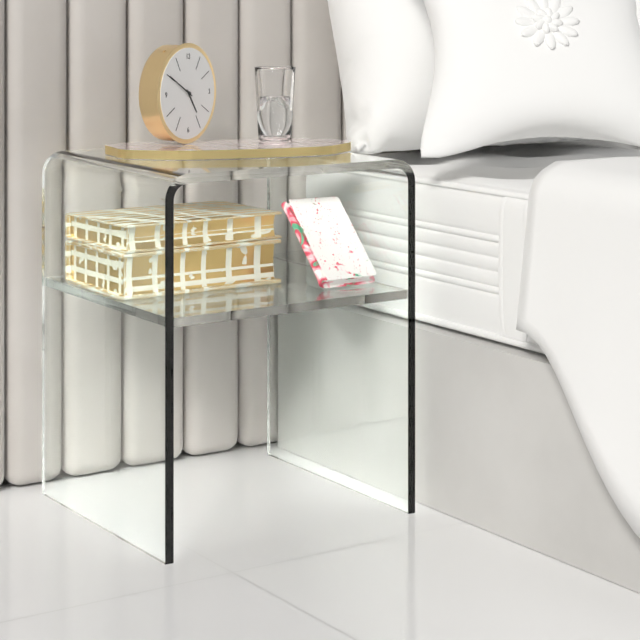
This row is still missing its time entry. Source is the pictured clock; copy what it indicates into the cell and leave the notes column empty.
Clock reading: 4:50
